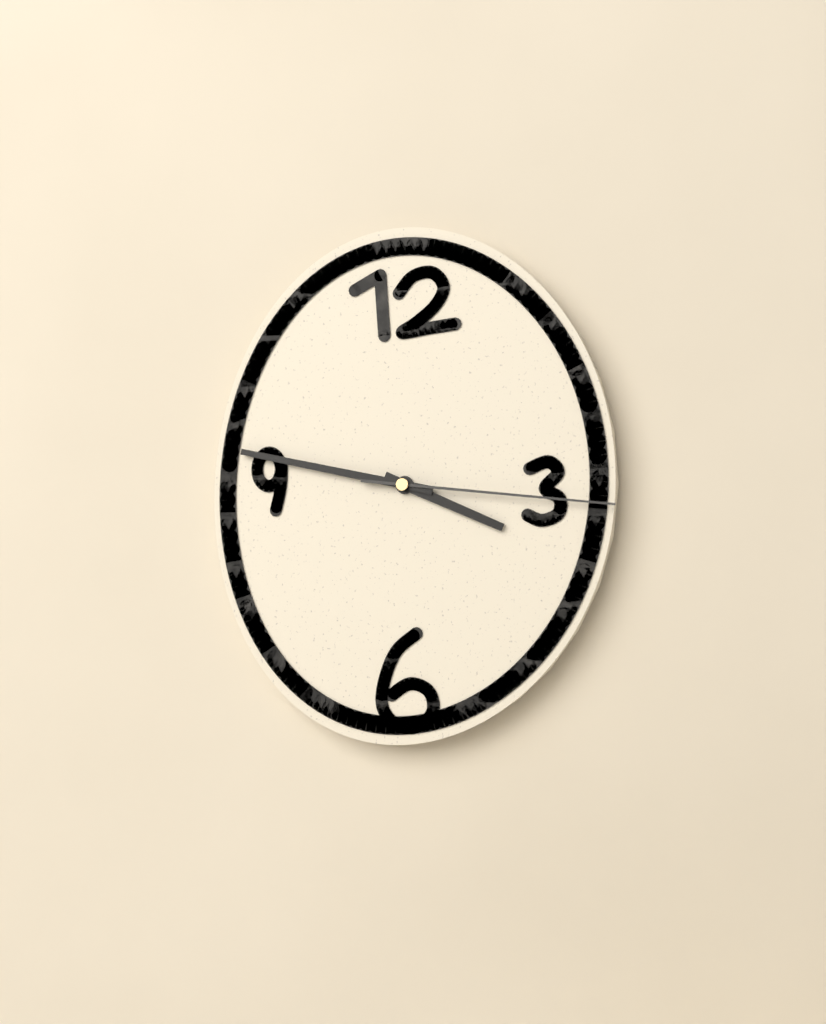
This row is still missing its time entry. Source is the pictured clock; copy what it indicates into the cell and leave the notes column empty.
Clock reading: 3:47:16
